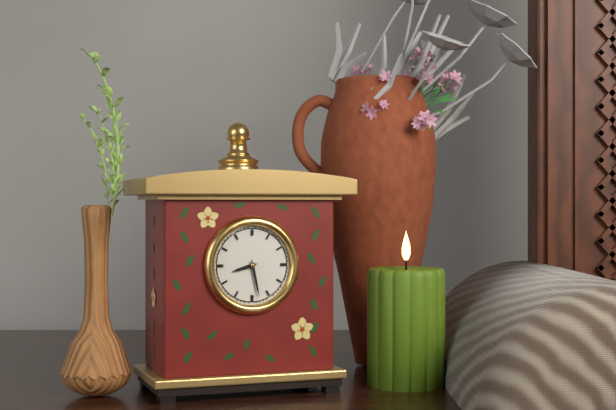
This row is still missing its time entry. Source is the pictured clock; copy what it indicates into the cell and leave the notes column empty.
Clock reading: 8:28
